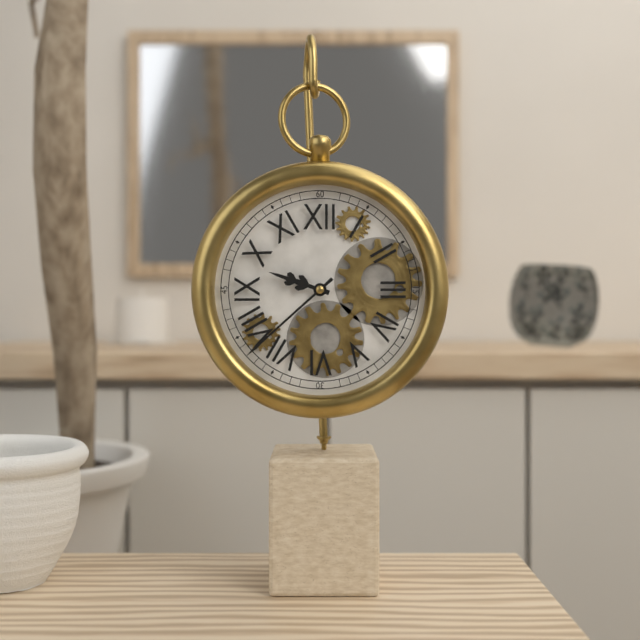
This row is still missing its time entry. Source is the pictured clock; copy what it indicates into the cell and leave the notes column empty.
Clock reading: 9:38
